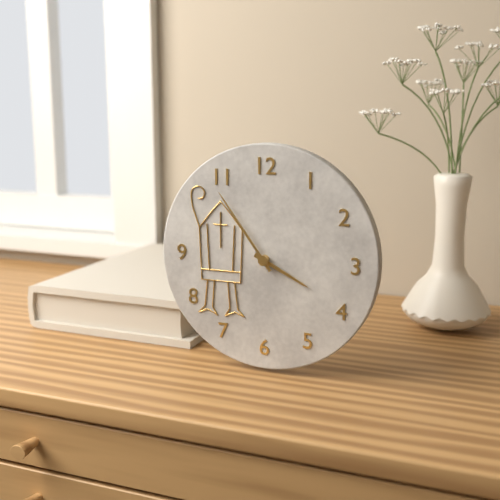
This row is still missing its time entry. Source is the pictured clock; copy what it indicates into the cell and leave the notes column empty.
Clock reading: 3:54
